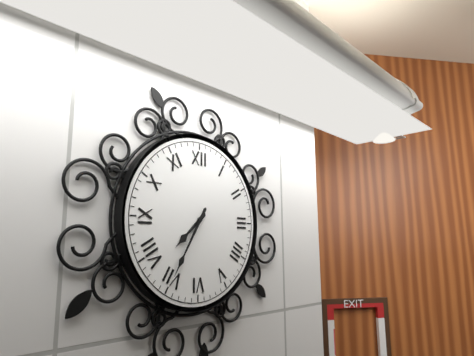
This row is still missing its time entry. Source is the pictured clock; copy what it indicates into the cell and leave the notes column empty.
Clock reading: 7:35
